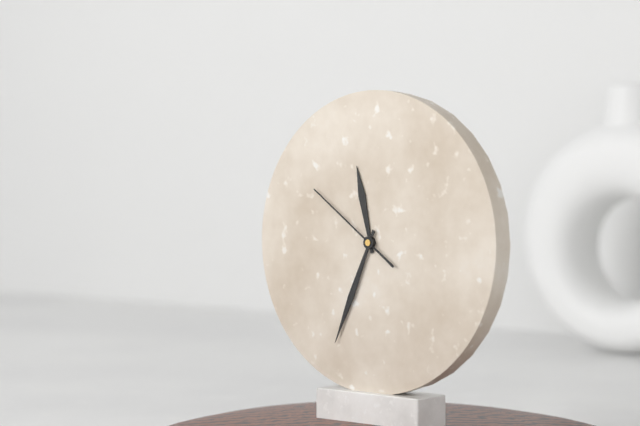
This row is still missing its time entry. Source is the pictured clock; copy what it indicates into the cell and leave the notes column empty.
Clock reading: 11:34:51
